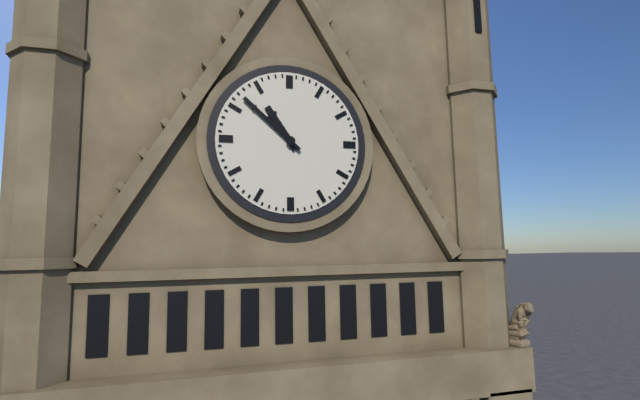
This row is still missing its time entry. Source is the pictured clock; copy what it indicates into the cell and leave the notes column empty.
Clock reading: 10:52
